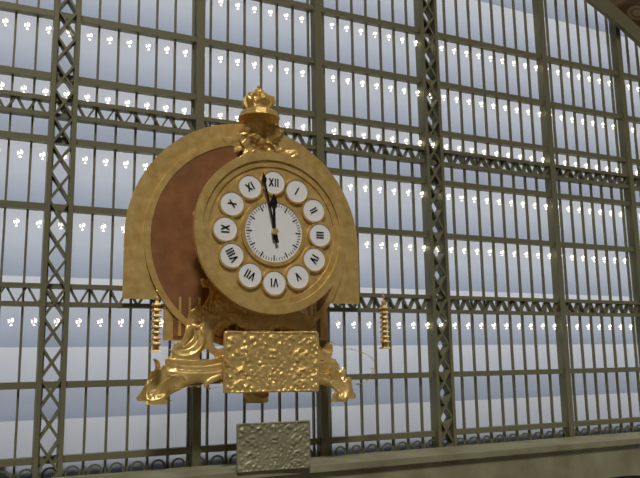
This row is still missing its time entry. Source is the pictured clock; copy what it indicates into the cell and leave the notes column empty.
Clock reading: 11:58
